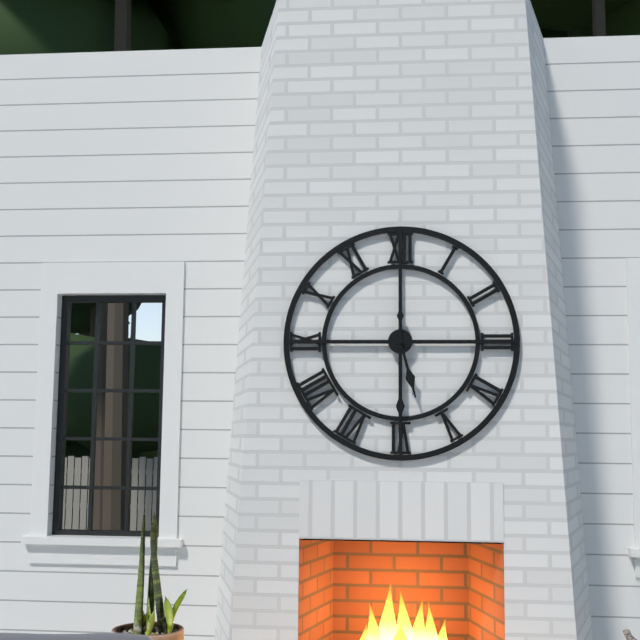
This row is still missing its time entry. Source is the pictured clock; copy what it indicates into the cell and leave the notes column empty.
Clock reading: 5:30
